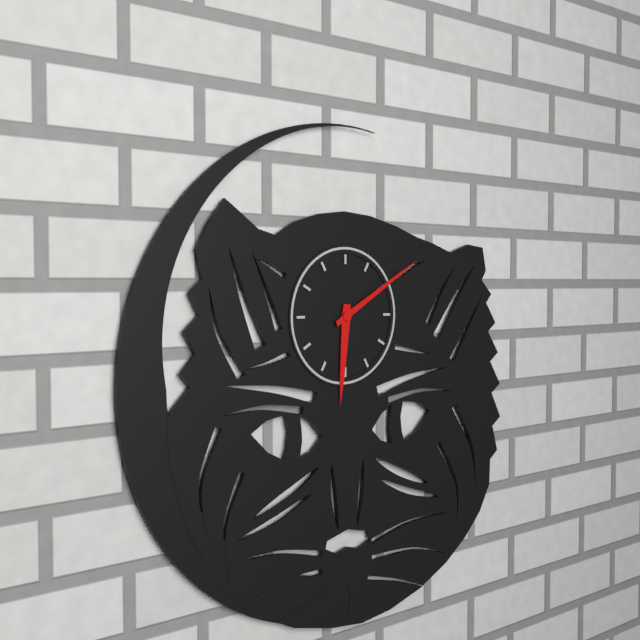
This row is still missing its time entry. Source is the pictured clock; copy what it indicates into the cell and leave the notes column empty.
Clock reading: 6:10
